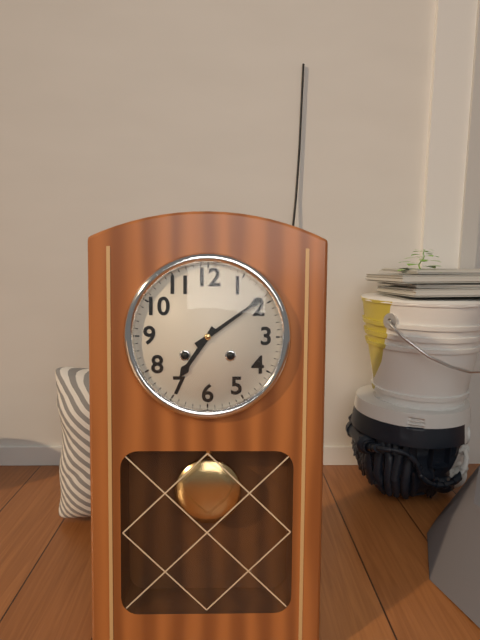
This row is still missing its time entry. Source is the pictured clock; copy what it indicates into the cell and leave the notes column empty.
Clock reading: 7:09
